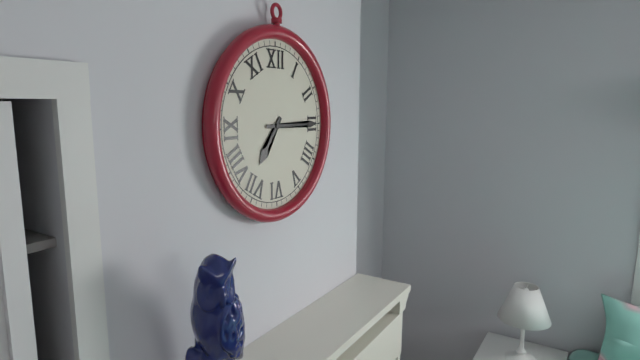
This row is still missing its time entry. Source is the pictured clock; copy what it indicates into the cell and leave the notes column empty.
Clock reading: 7:15
